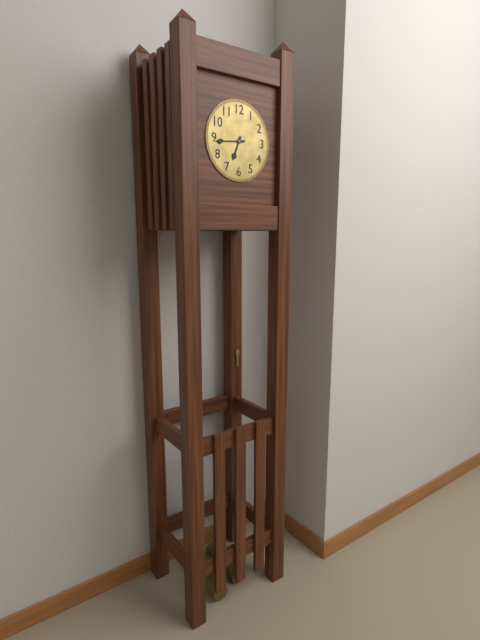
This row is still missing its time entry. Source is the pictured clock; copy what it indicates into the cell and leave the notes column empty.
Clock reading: 6:44
